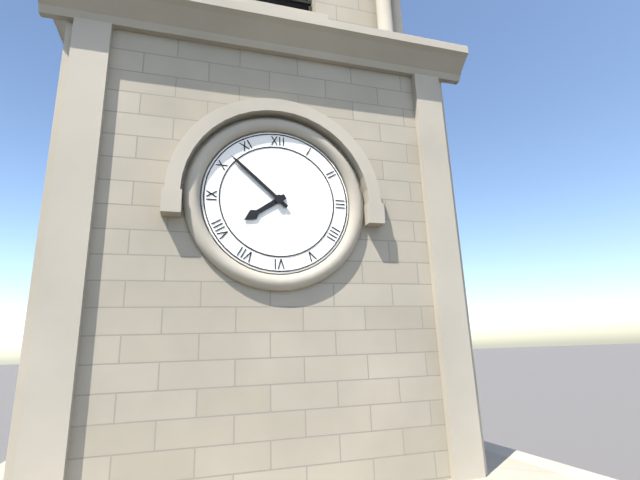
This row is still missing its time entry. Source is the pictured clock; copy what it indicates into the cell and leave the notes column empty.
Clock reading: 7:52
